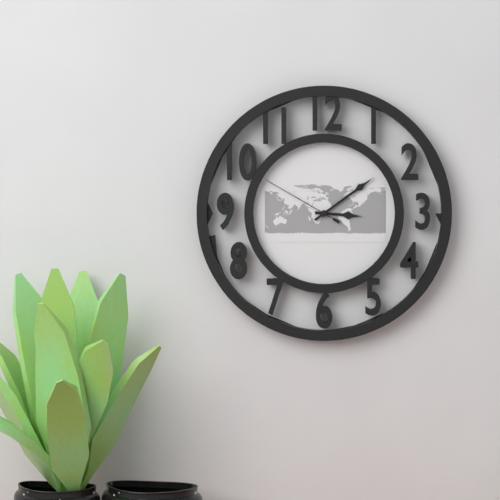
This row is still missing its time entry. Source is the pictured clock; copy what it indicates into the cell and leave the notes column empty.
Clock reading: 3:09:50
